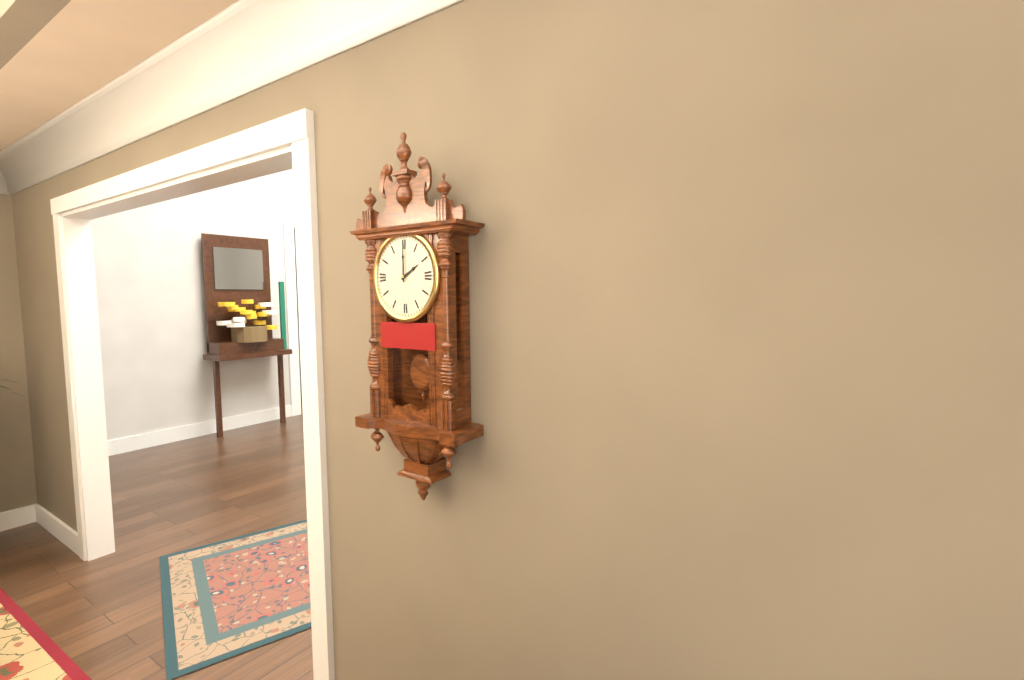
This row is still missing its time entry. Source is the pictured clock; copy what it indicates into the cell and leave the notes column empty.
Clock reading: 2:00
